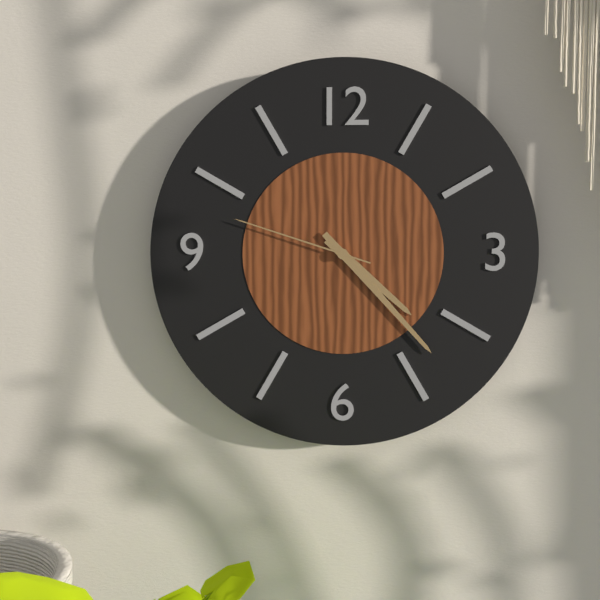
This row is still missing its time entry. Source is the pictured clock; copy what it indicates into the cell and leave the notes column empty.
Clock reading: 4:23:48
